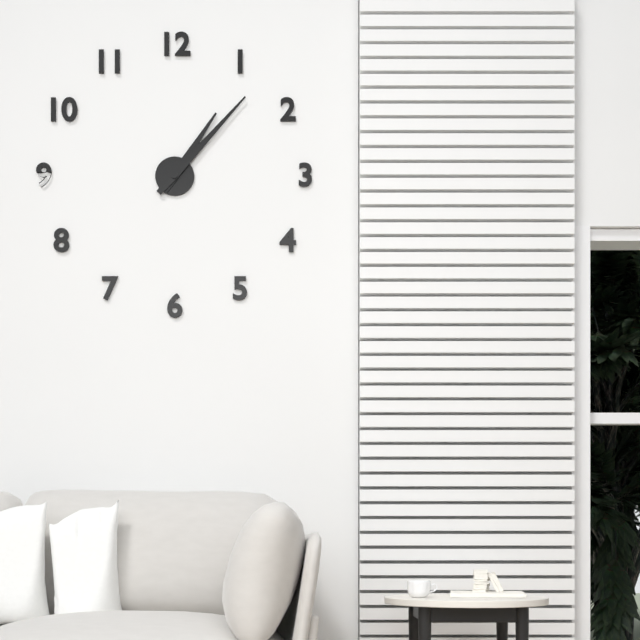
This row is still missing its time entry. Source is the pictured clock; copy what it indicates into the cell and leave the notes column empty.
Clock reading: 1:07
